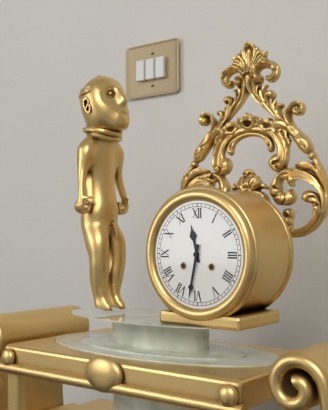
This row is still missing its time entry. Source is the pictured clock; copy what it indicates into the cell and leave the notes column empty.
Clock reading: 11:32
